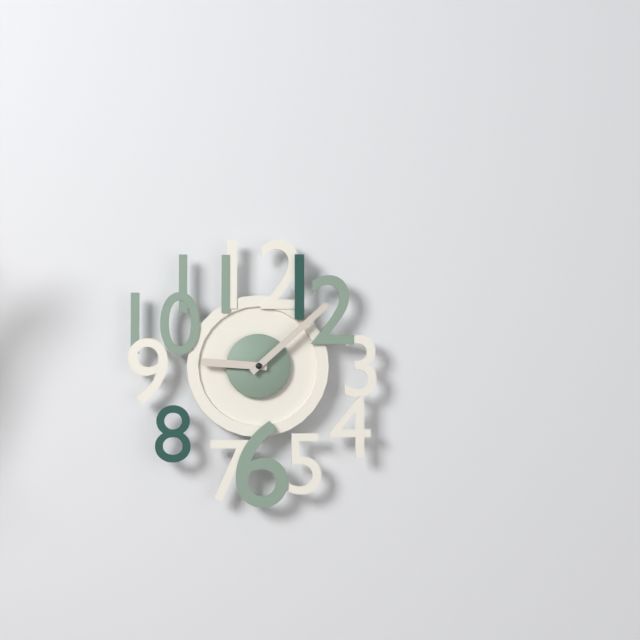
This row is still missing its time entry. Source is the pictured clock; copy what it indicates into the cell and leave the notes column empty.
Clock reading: 9:08
